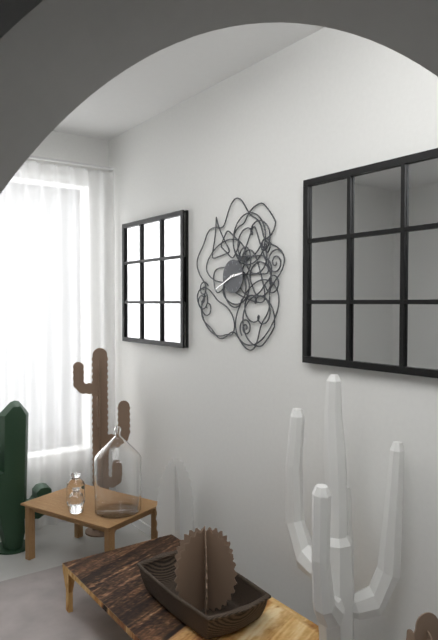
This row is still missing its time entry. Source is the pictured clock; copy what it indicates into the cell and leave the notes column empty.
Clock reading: 2:41
